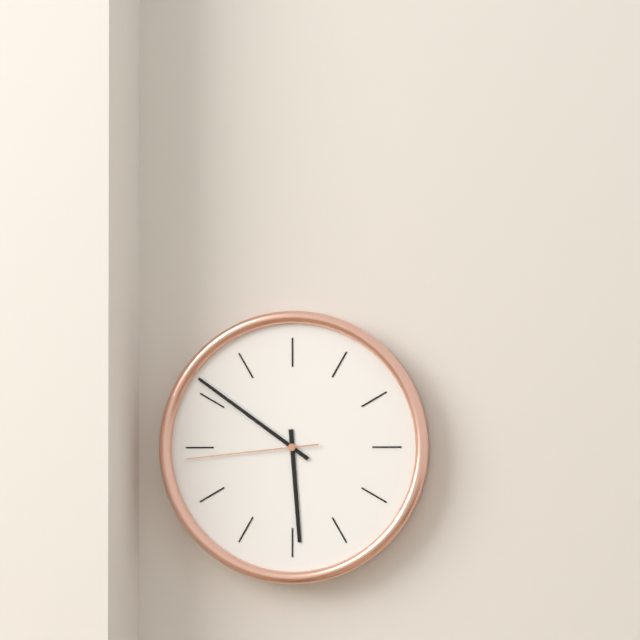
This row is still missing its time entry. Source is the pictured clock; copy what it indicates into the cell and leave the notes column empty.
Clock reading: 5:51:44
